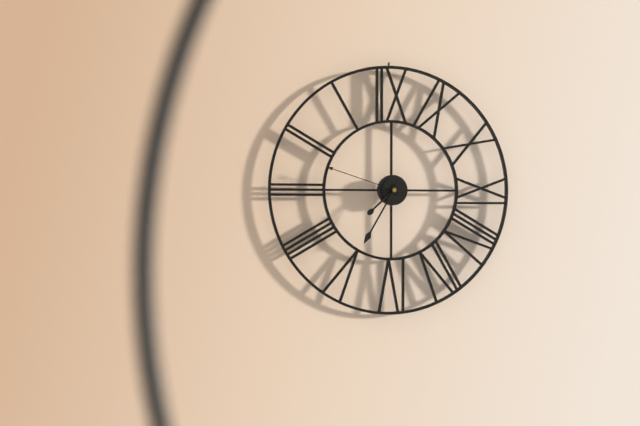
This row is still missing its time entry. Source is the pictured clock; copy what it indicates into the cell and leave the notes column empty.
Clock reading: 7:35:48
